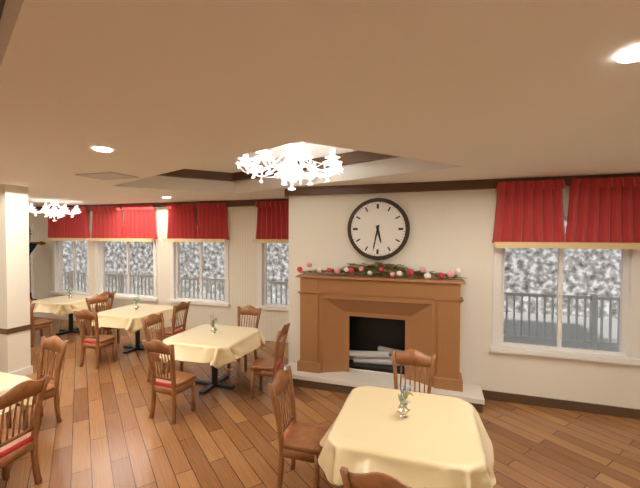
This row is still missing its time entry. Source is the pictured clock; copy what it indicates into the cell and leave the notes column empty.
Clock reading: 5:32
